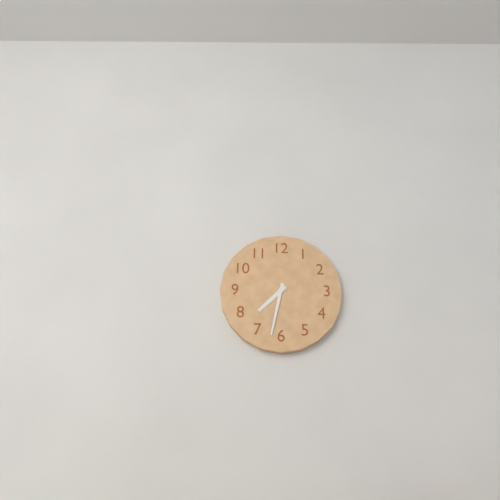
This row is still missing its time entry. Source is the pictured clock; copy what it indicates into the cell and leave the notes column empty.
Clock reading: 7:32
